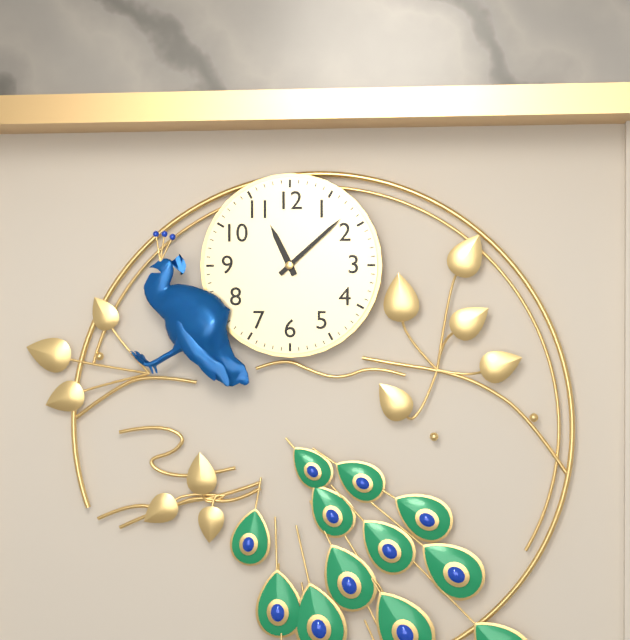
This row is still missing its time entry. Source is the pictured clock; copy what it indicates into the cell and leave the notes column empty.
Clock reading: 11:08
